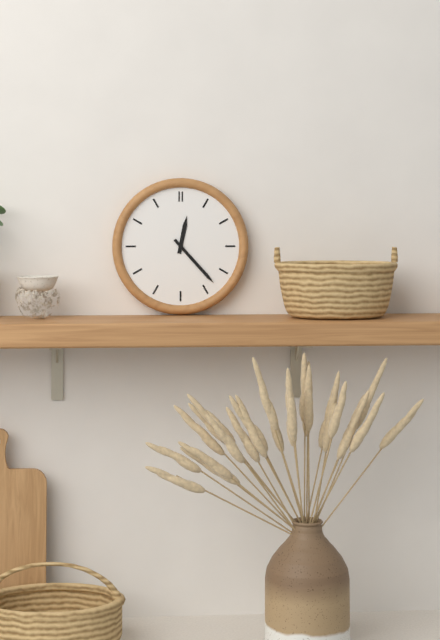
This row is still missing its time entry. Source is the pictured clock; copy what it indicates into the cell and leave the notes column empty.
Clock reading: 12:23
